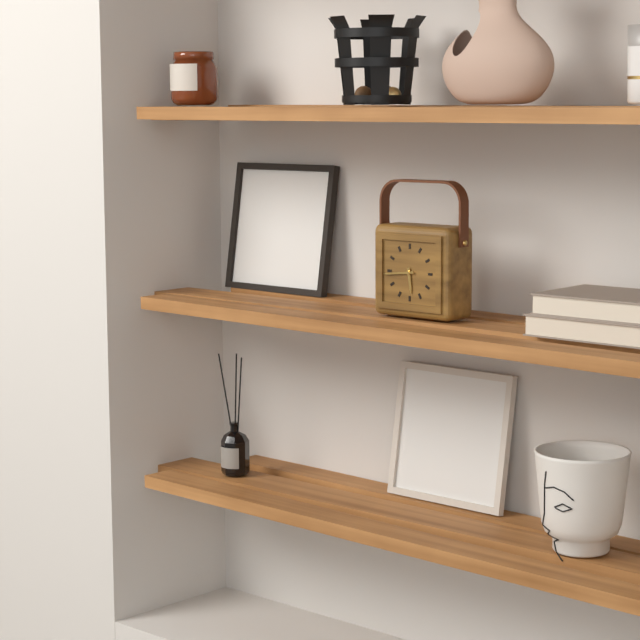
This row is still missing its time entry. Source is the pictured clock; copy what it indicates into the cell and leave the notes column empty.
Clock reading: 5:44
